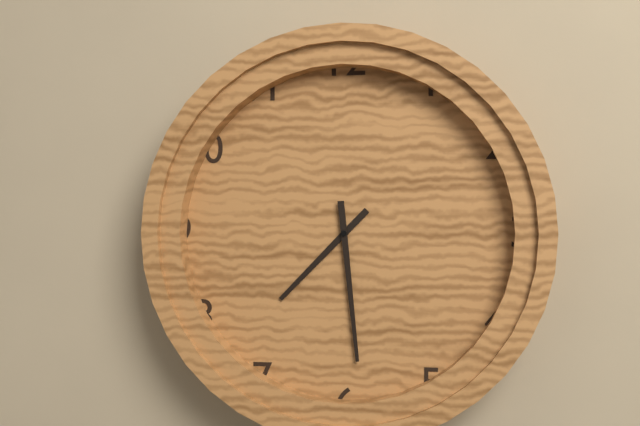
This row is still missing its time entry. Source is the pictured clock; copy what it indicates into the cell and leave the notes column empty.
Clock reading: 7:29
